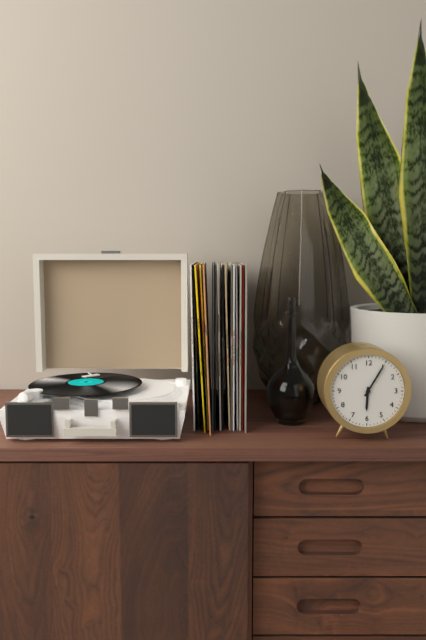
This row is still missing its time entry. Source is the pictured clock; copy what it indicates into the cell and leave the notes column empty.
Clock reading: 6:05
